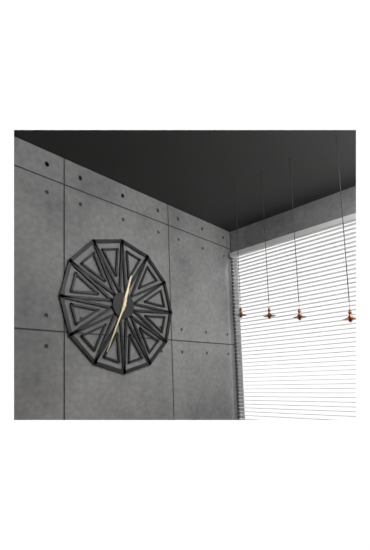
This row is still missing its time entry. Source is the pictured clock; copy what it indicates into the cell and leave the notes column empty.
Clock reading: 12:34
